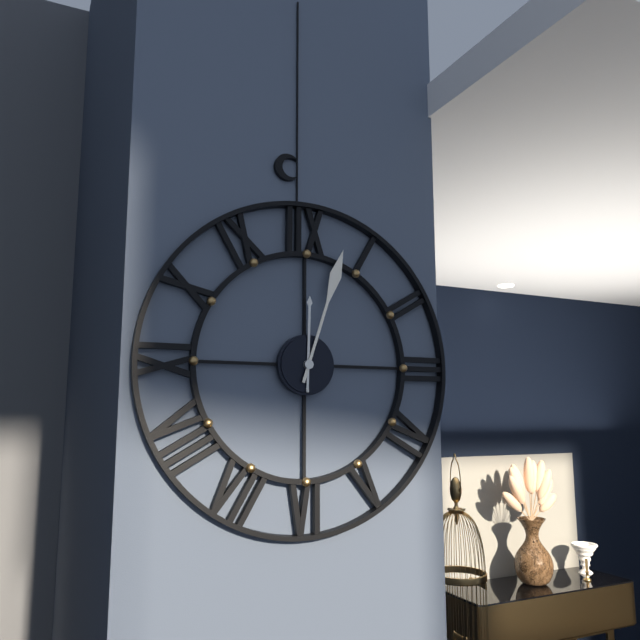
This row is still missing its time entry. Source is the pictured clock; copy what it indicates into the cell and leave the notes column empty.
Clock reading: 12:03
